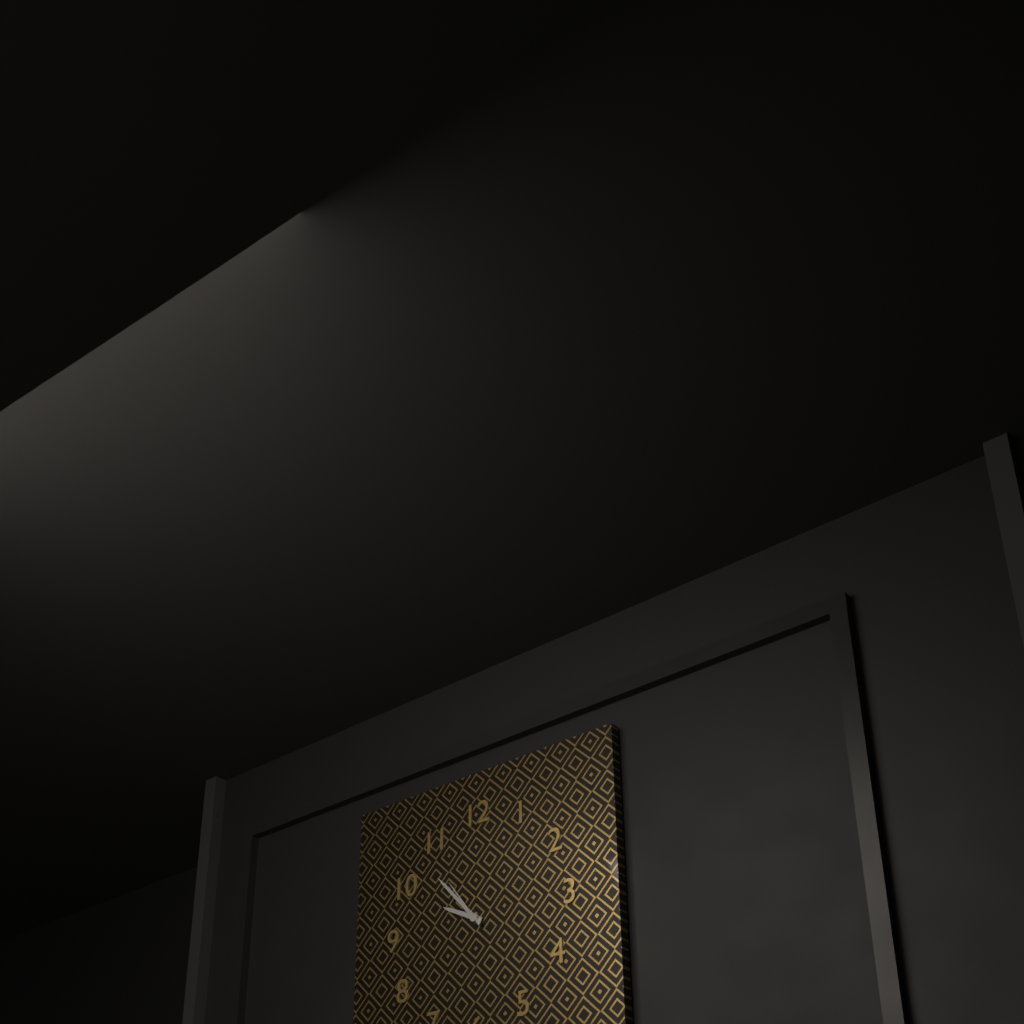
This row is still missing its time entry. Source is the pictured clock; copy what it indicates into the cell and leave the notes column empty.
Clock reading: 9:53:54
